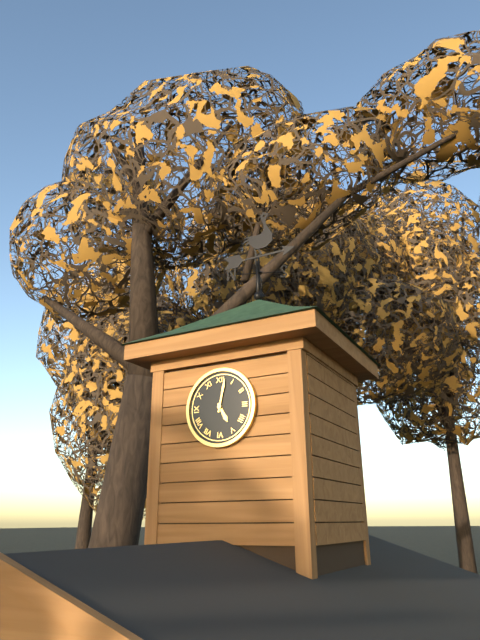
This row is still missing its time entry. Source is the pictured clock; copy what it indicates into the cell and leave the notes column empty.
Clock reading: 5:02
